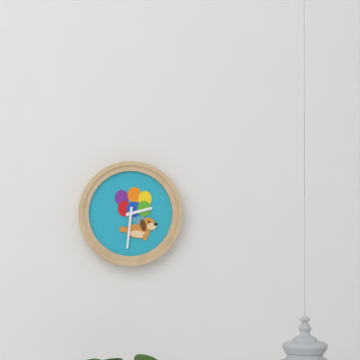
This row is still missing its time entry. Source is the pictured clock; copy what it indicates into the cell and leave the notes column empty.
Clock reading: 2:31
